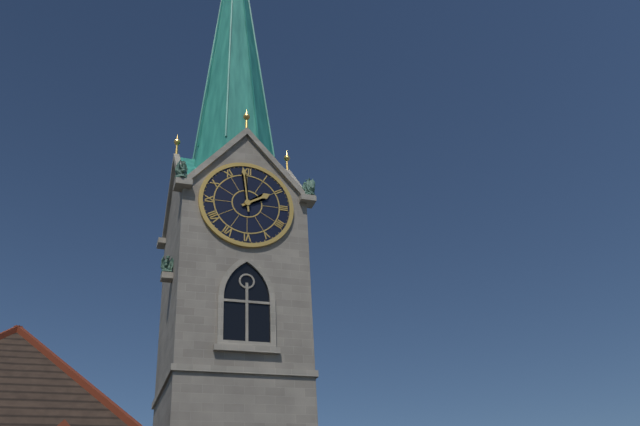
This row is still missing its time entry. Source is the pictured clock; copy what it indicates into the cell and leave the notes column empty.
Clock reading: 1:59
